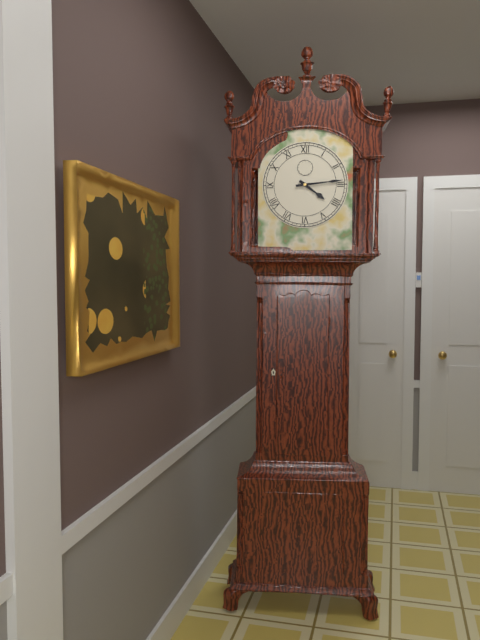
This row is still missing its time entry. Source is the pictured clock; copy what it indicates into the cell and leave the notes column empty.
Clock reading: 4:14
